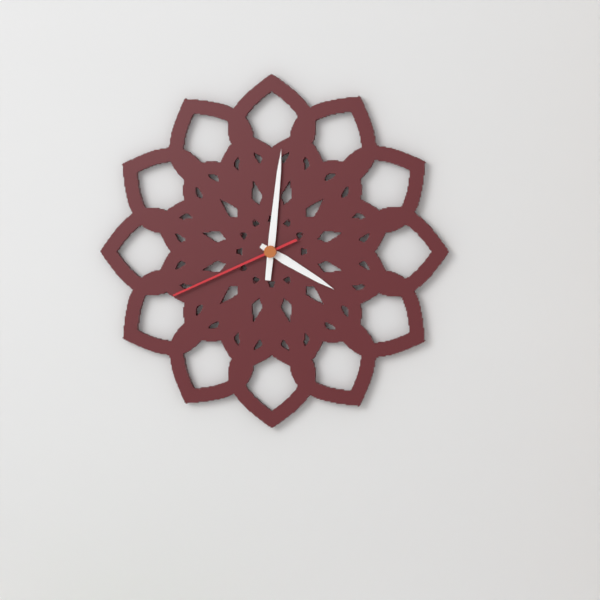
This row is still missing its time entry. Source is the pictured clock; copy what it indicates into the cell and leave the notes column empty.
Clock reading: 4:01:41
